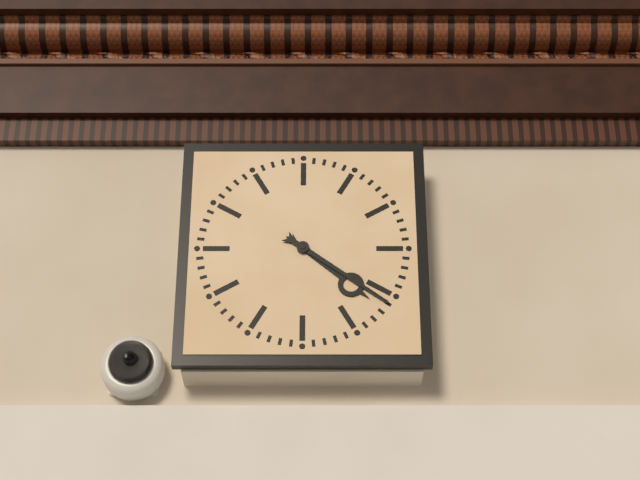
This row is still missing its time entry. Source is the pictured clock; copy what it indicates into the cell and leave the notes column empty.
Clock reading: 4:21
